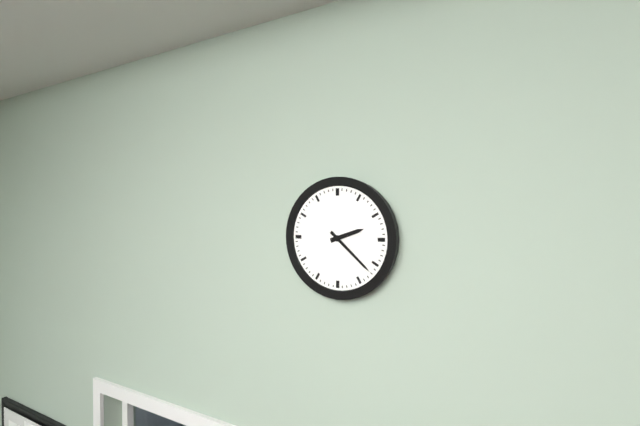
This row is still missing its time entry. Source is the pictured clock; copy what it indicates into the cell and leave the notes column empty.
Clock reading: 2:22
